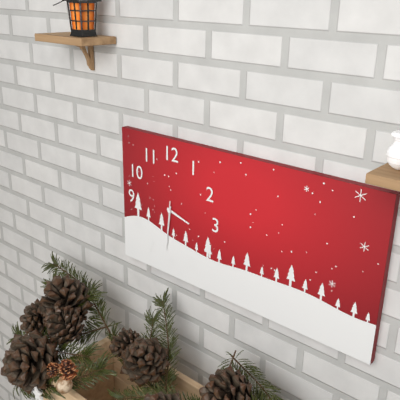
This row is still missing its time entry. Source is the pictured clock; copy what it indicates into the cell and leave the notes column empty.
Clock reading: 3:31
